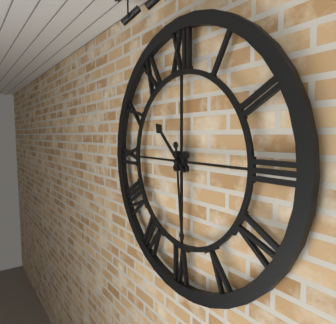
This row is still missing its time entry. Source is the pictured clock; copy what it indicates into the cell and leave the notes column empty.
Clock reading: 10:29
